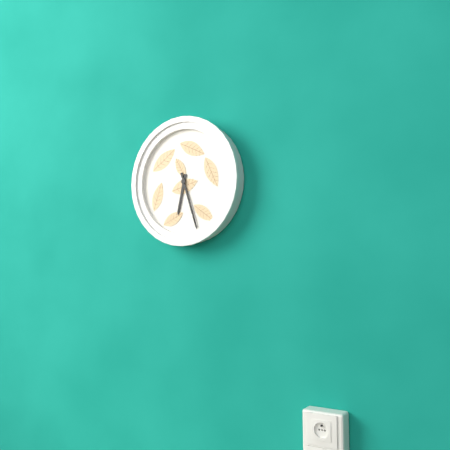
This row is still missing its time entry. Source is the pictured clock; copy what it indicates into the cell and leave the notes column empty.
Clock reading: 6:27
